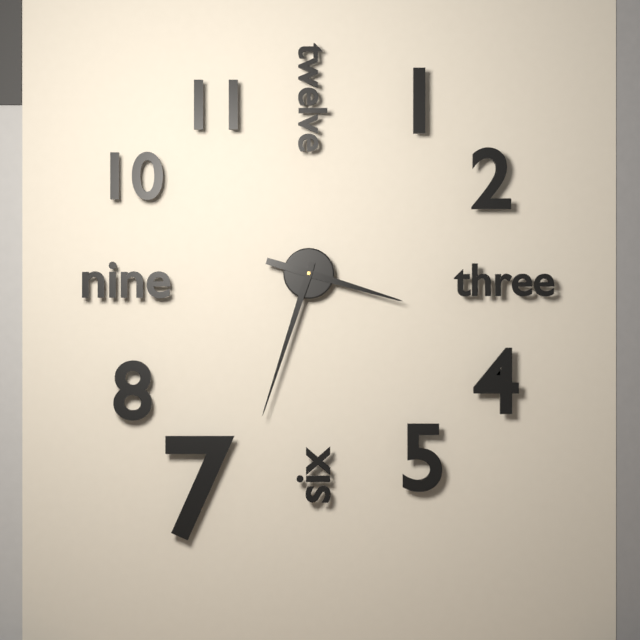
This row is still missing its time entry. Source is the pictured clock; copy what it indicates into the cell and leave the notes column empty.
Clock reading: 3:33
